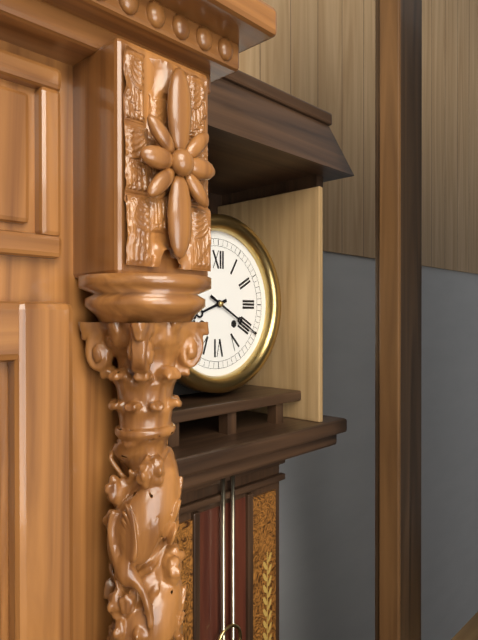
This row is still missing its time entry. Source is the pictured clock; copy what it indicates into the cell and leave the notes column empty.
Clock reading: 8:20
